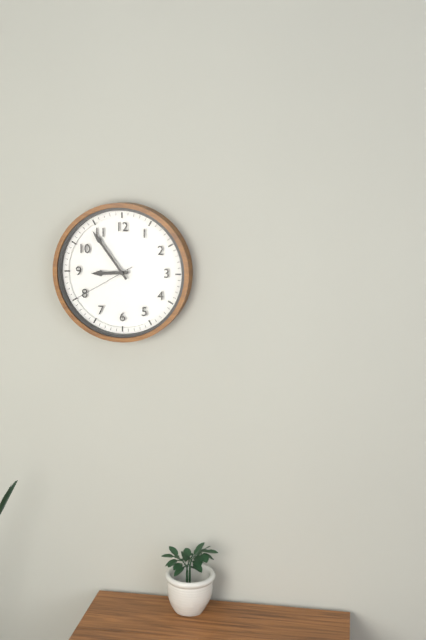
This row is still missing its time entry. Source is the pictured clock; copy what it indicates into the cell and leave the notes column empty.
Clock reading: 8:54:40
